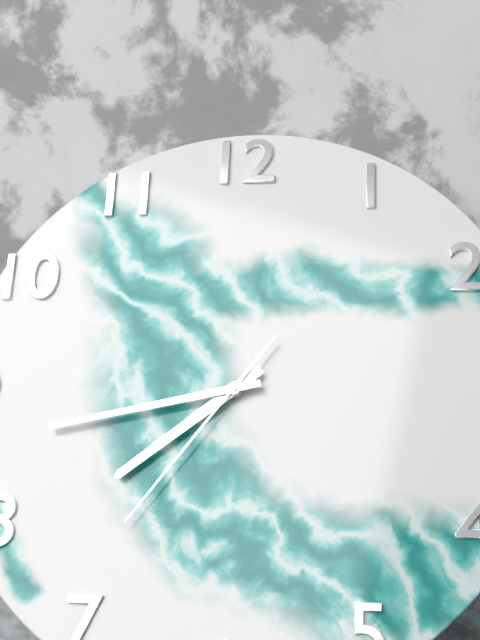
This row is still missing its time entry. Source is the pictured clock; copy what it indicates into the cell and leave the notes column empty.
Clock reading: 7:43:36
